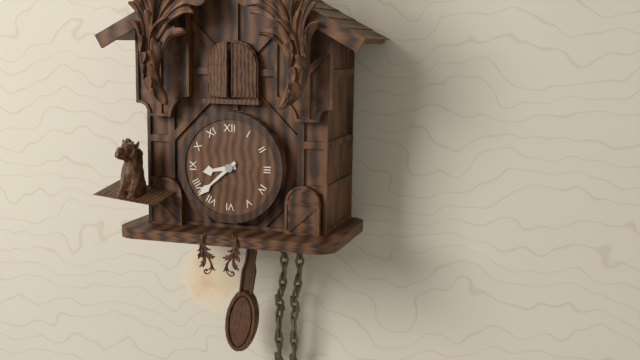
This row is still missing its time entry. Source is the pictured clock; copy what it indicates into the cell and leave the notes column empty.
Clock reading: 8:38
